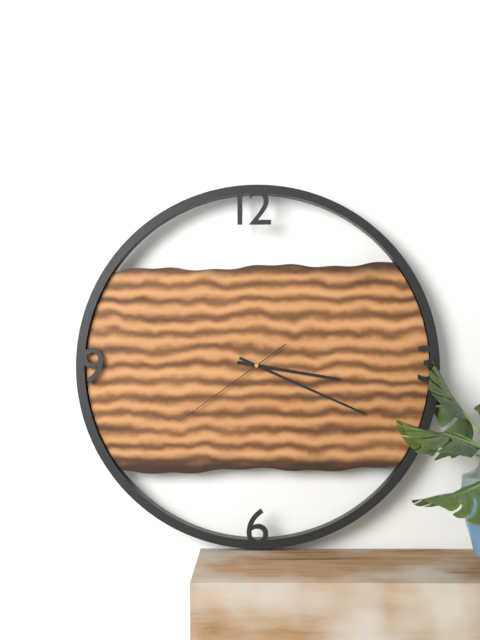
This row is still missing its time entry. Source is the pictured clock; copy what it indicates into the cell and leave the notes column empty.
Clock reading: 3:19:39
